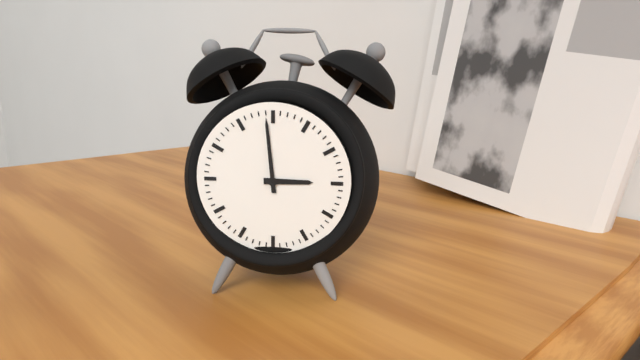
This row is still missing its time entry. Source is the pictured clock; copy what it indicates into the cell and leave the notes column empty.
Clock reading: 2:59
